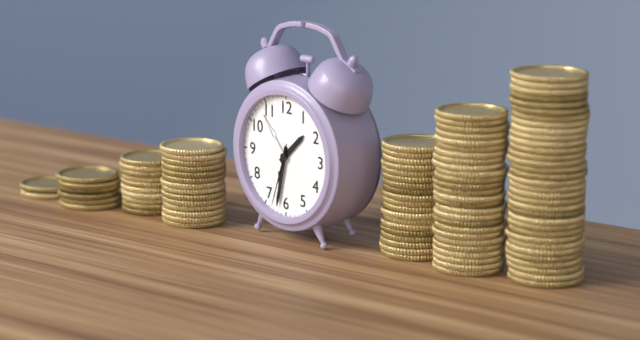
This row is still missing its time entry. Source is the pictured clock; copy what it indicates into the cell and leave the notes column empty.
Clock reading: 1:32:33
